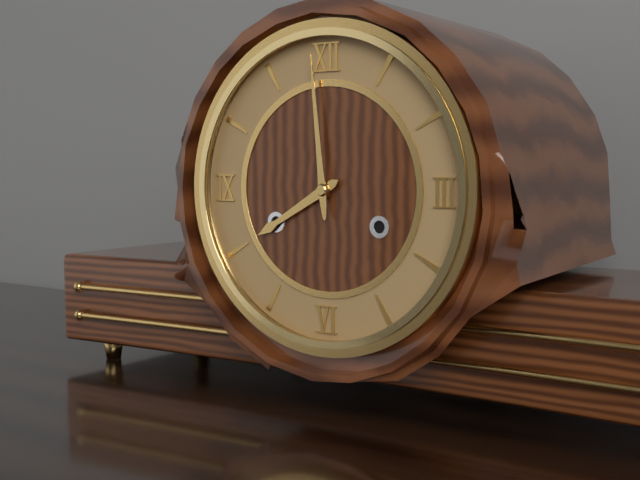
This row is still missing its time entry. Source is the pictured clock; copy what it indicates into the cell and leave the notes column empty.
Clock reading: 7:59
